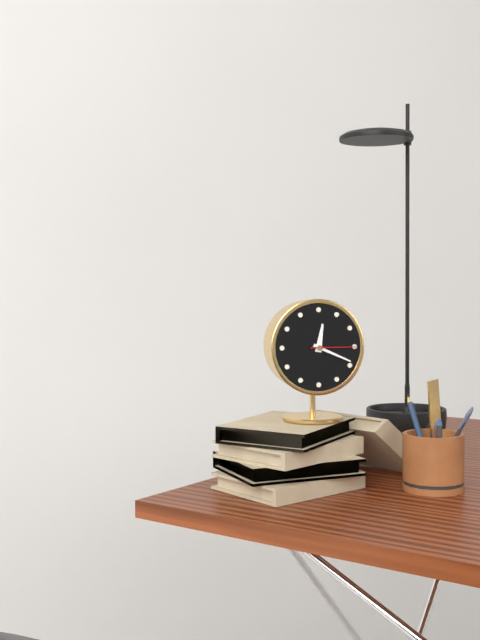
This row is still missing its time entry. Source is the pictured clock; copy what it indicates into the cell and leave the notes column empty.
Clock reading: 12:19
